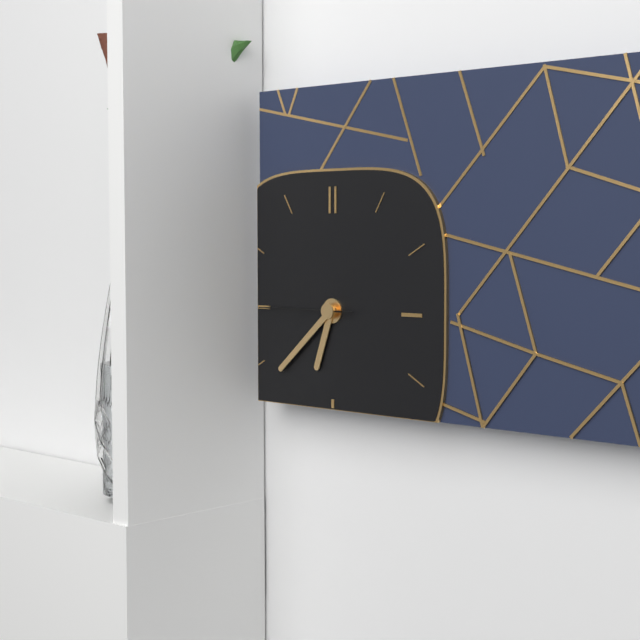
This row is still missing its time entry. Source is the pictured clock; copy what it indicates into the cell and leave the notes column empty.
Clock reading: 6:38:45
